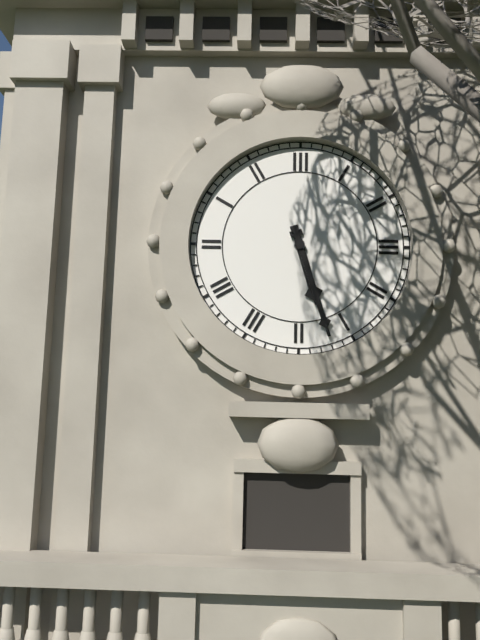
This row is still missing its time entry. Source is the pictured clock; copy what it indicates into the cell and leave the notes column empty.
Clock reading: 5:27
